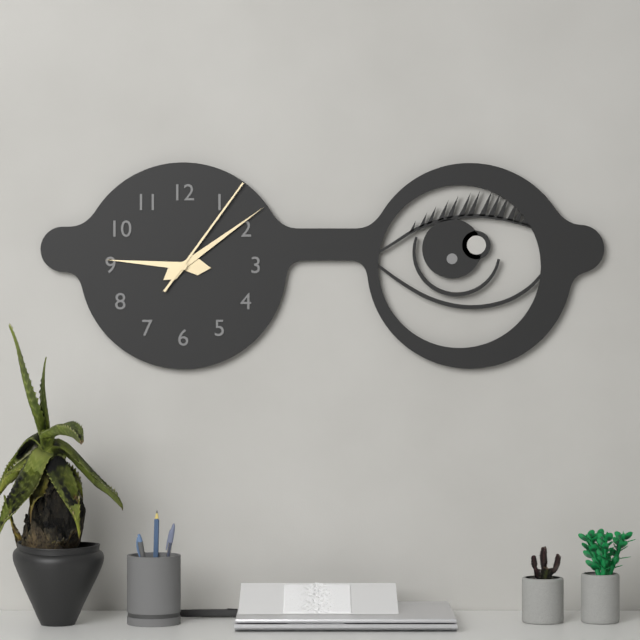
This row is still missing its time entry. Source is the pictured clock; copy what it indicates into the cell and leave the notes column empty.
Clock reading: 9:09:06
